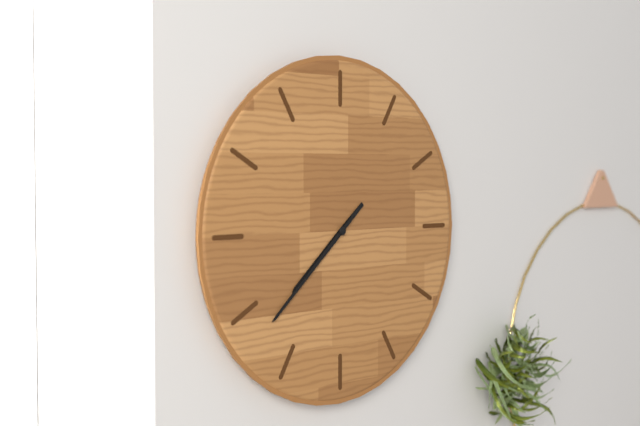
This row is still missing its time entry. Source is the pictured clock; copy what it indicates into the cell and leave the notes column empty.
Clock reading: 7:38
